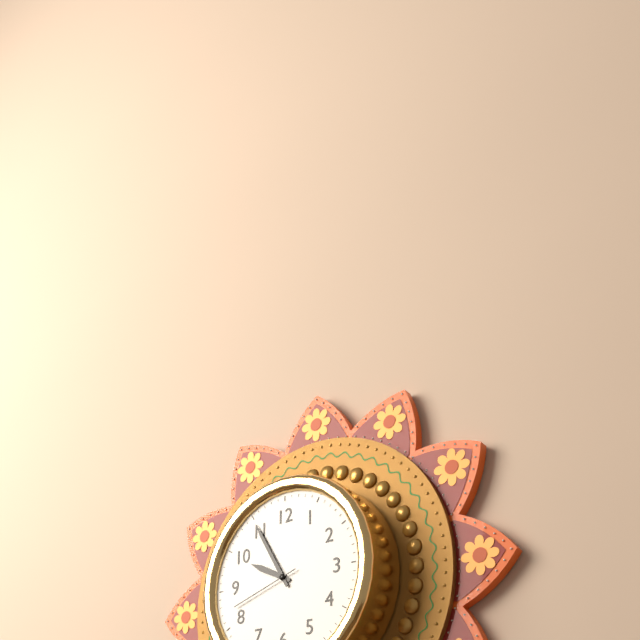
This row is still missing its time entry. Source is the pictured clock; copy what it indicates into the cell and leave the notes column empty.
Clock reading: 9:55:42
